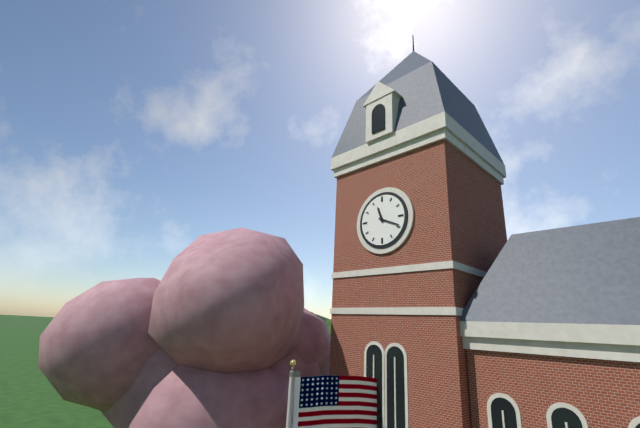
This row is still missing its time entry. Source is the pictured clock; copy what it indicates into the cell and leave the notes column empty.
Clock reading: 11:19
